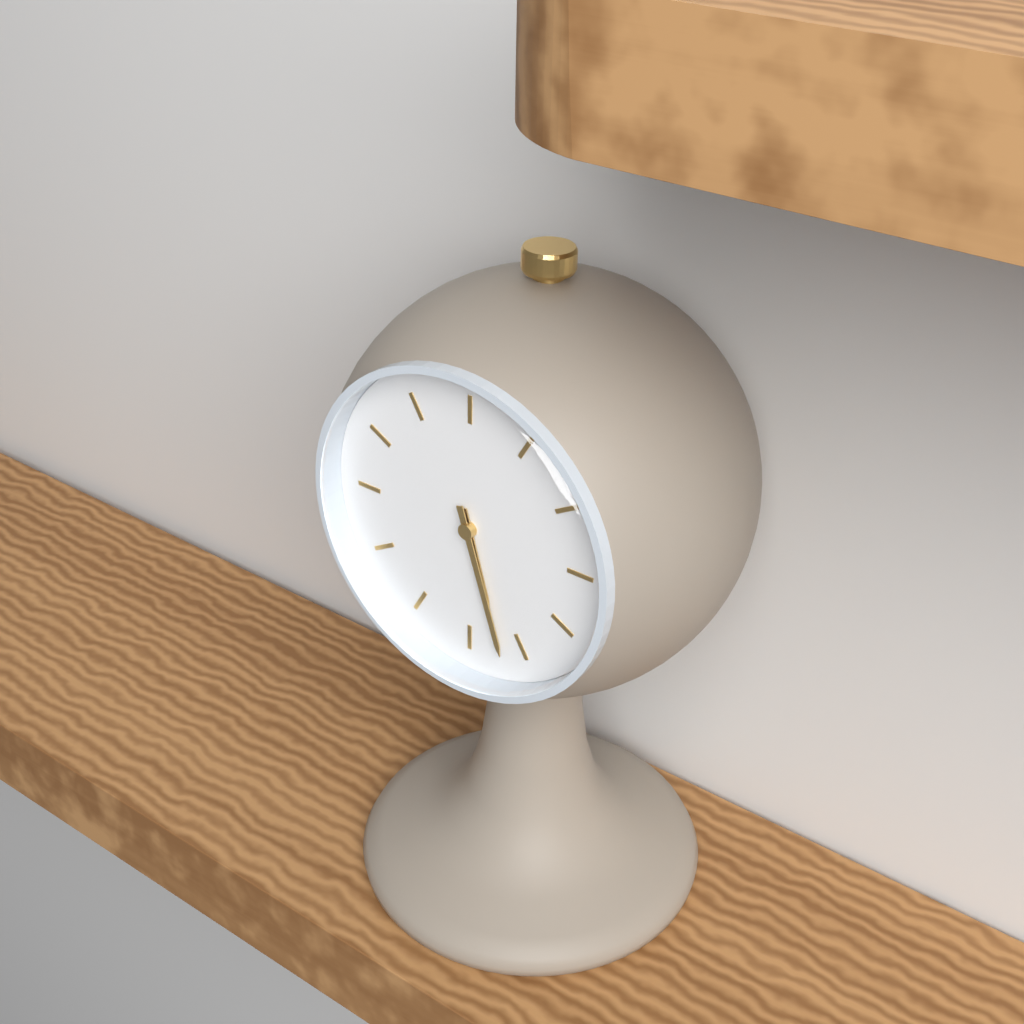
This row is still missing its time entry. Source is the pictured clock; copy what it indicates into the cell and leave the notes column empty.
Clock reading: 5:27
